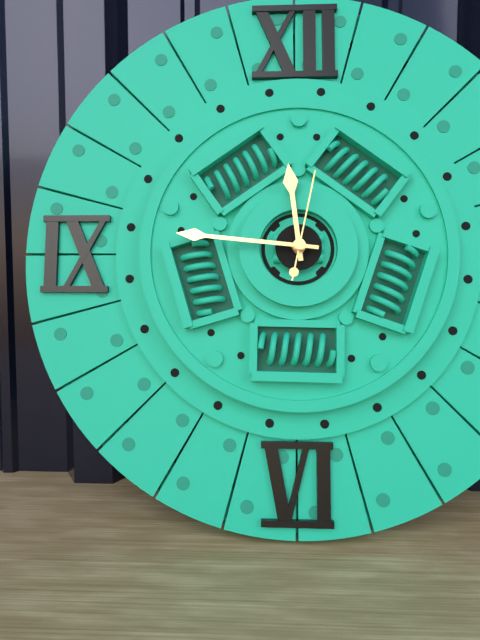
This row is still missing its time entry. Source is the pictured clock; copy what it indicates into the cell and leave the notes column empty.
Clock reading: 11:46:02
